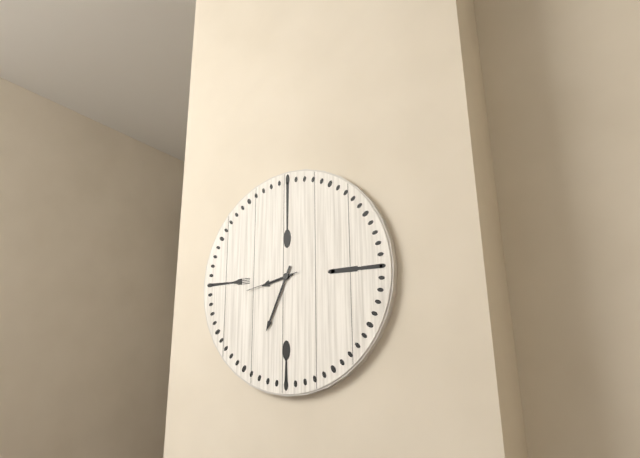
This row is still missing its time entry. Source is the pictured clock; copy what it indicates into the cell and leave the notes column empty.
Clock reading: 8:34:43
